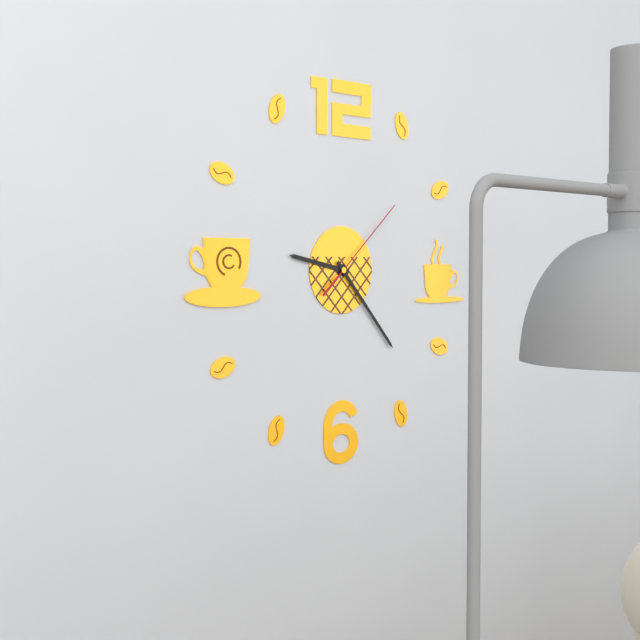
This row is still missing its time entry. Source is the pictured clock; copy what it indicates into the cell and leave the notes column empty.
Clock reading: 9:23:08
